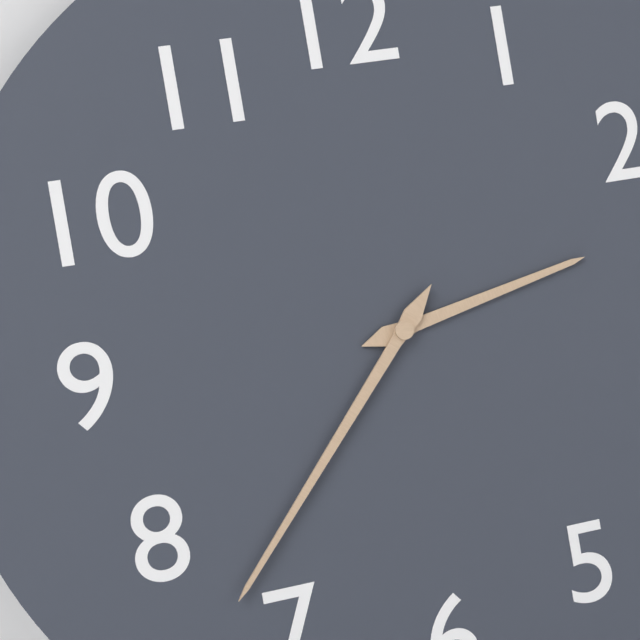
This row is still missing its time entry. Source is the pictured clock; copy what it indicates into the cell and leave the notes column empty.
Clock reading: 2:37
